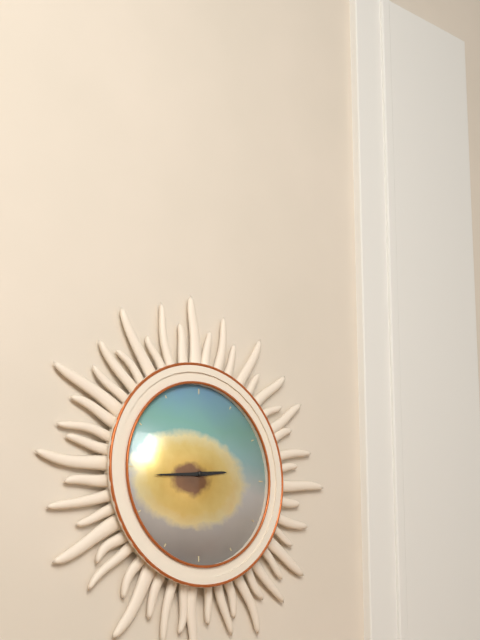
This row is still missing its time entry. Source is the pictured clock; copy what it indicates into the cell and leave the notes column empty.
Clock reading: 2:44
